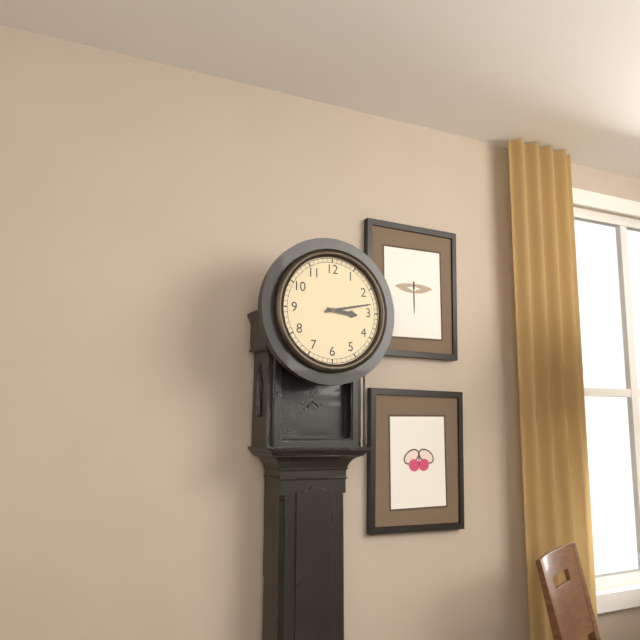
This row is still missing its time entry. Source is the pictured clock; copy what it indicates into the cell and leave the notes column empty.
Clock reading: 3:13
